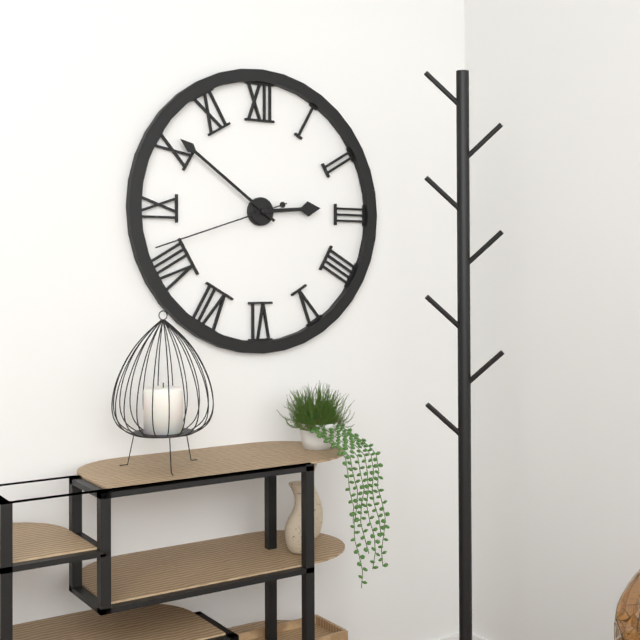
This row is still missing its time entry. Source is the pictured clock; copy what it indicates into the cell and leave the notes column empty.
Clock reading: 2:51:42
